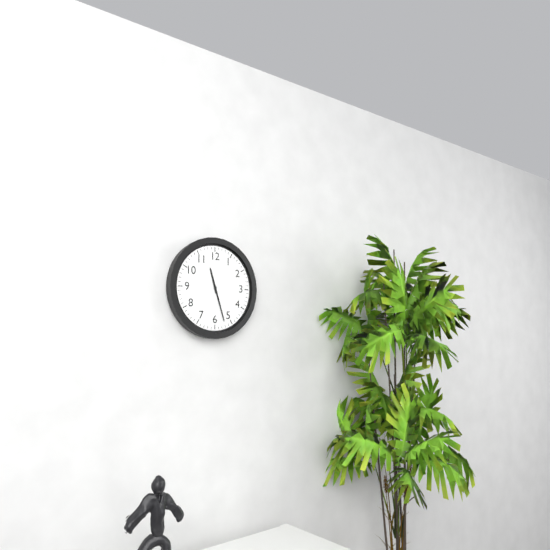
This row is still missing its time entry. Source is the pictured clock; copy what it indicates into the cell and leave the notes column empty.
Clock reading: 11:27
